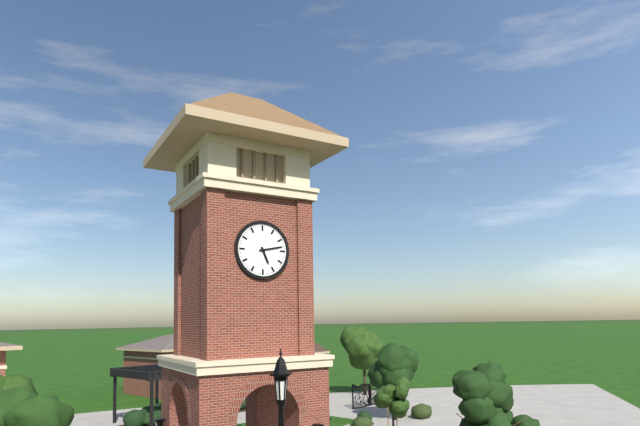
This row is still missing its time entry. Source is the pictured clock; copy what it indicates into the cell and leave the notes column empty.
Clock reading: 5:13
